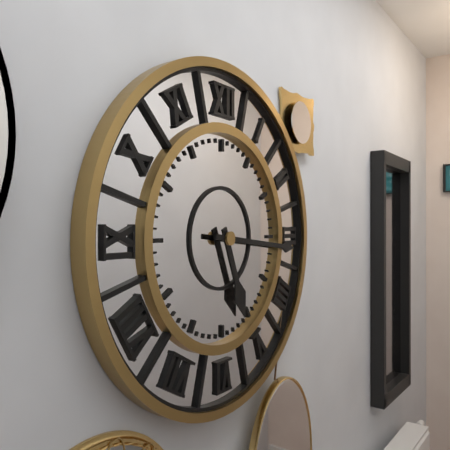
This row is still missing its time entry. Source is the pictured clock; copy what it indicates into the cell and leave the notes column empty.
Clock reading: 5:16
